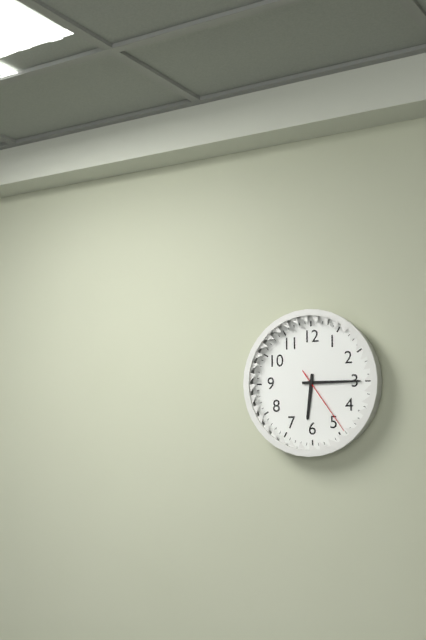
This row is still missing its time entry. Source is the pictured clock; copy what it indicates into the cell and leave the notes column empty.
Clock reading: 6:15:24
